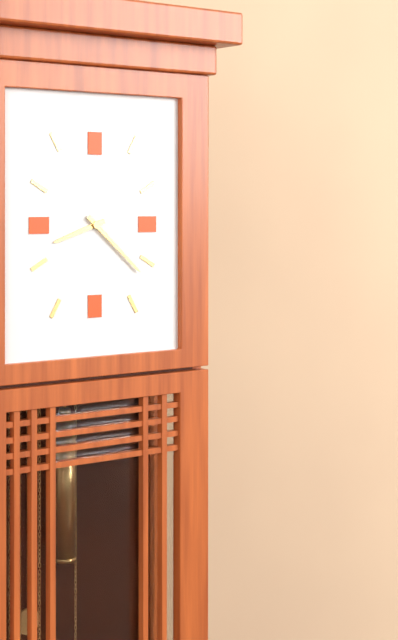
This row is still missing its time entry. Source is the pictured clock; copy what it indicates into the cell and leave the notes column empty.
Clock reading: 8:22
